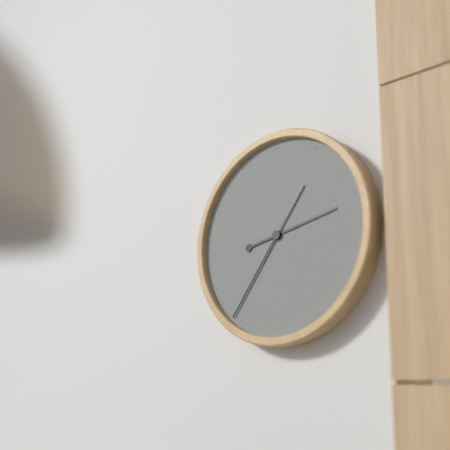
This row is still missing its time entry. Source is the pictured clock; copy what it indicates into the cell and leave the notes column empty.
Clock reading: 2:36
